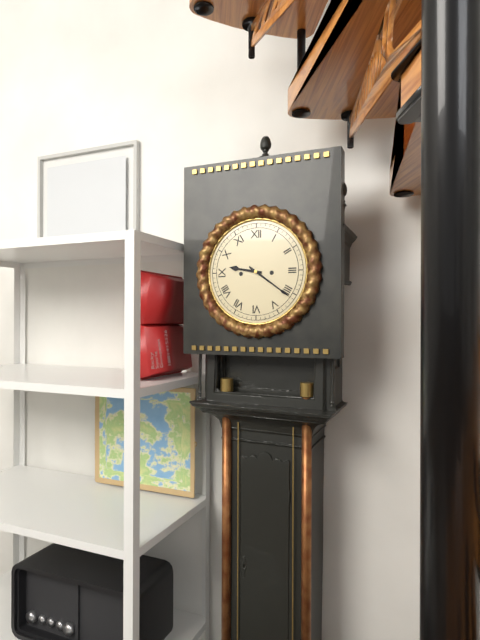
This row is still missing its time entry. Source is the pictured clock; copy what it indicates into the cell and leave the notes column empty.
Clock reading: 9:21
